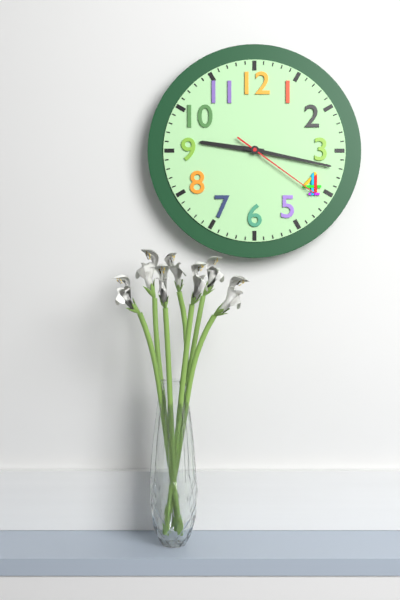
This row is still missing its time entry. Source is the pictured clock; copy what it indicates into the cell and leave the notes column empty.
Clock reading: 9:17:21
